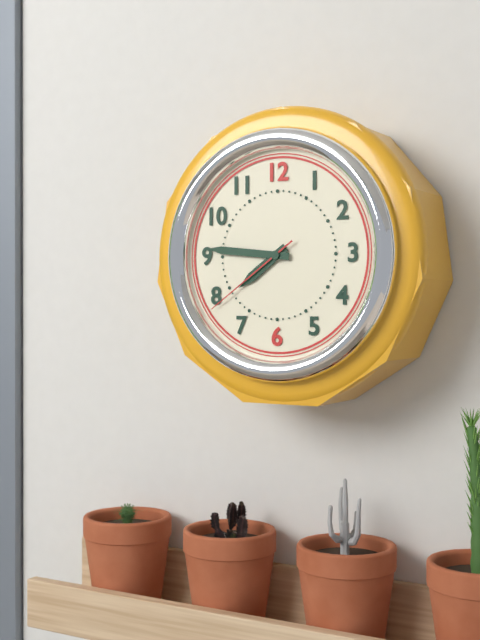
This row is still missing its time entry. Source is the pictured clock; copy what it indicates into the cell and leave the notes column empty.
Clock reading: 7:46:39
